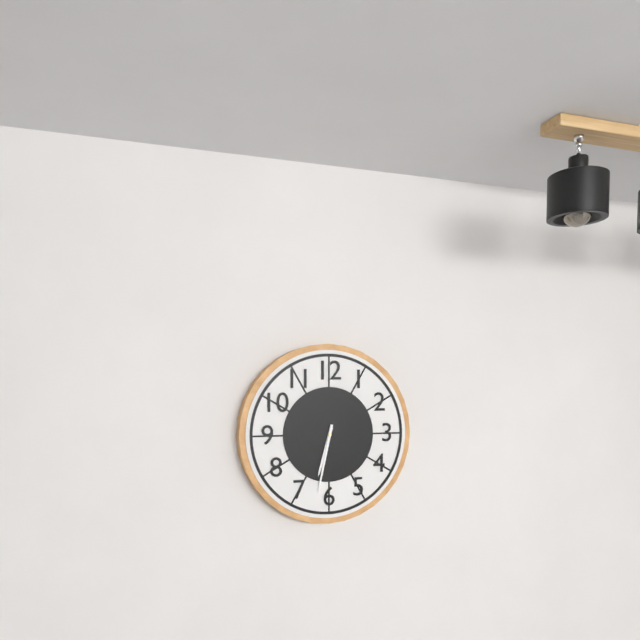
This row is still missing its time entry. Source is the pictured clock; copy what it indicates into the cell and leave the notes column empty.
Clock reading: 6:32
